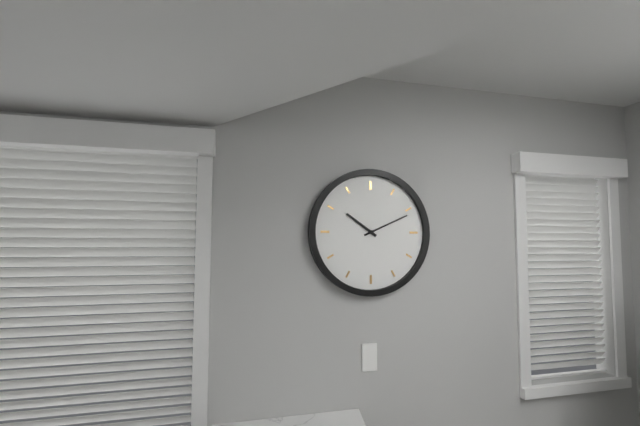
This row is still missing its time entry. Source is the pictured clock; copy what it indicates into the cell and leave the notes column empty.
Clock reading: 10:11
